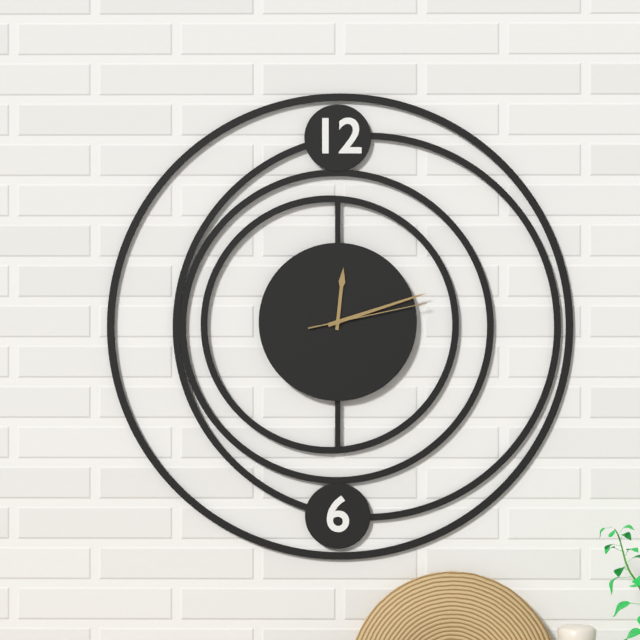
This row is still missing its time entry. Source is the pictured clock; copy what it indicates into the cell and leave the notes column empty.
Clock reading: 12:12:13
